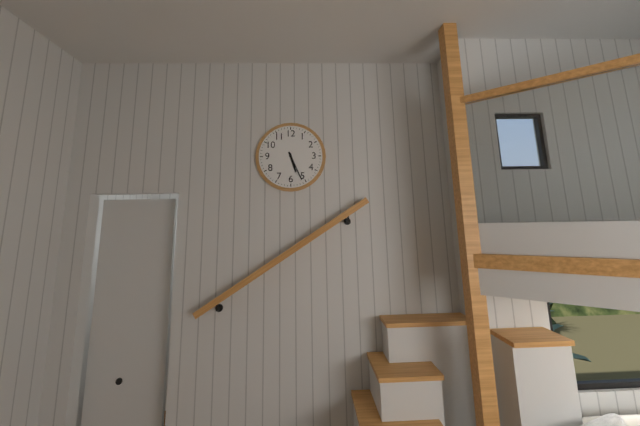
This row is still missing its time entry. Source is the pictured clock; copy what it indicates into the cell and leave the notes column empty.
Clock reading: 5:26
